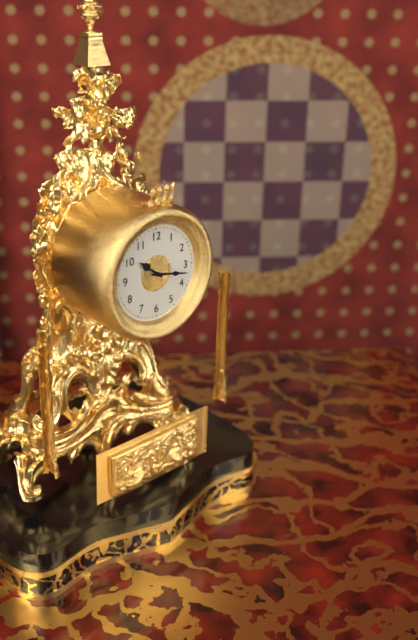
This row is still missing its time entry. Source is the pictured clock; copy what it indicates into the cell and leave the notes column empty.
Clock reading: 10:17
